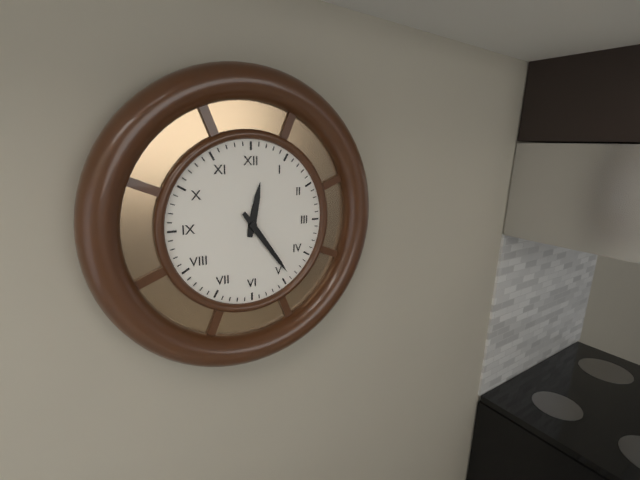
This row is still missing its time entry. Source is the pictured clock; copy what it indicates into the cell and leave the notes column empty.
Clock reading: 12:24
